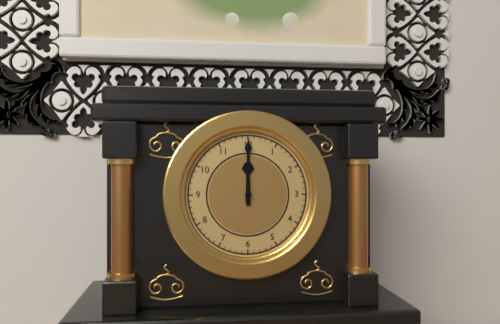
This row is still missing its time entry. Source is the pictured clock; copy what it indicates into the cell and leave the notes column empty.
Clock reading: 12:00
